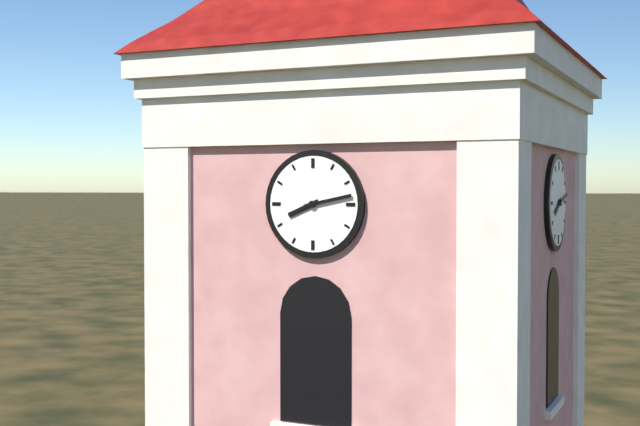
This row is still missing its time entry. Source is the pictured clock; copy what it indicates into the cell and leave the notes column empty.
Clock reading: 8:13
